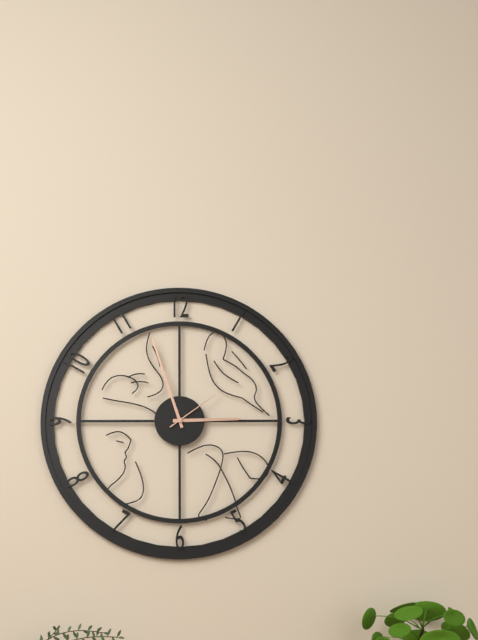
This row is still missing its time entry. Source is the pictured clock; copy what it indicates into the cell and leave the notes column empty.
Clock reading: 2:57:09
